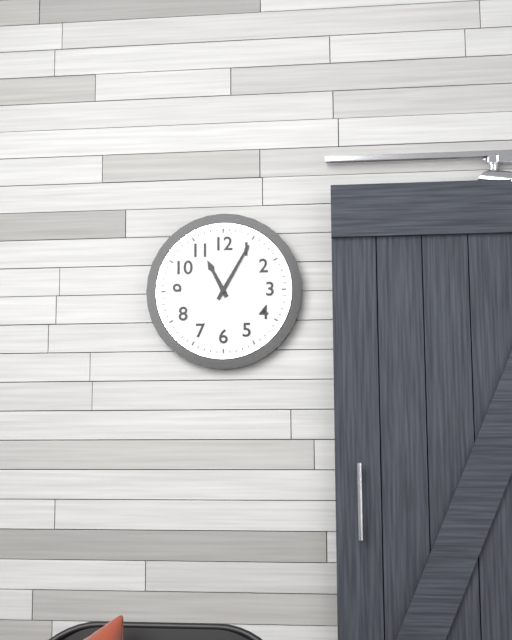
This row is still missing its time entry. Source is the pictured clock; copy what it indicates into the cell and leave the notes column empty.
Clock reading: 11:05
